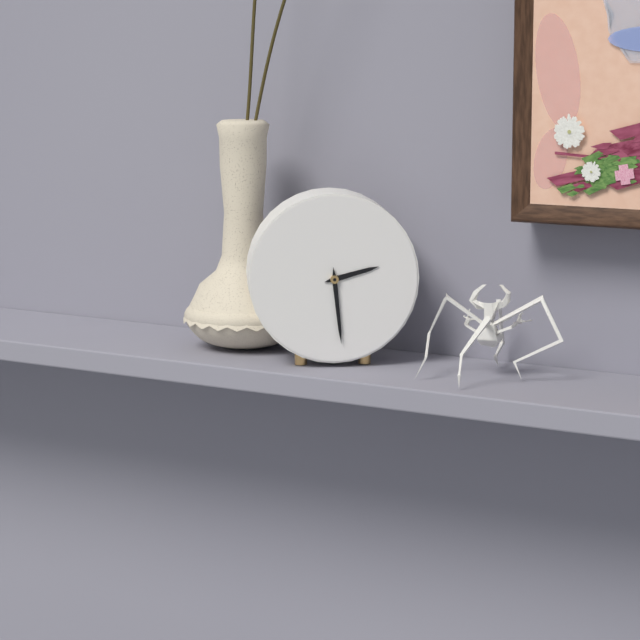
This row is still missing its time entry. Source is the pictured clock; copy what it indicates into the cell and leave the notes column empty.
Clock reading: 2:29
